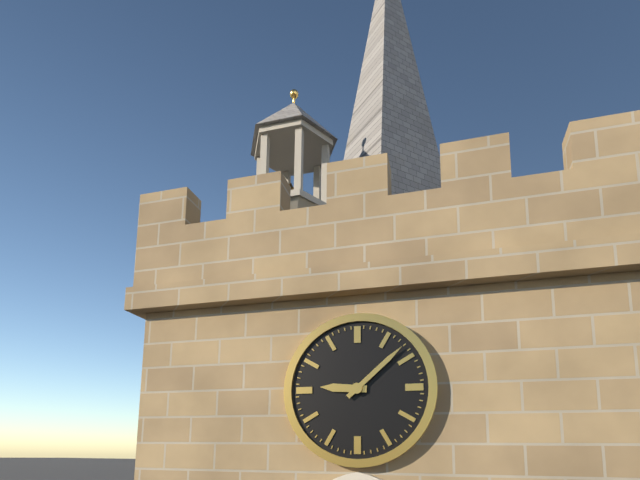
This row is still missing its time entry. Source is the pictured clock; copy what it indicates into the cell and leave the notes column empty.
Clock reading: 9:08
